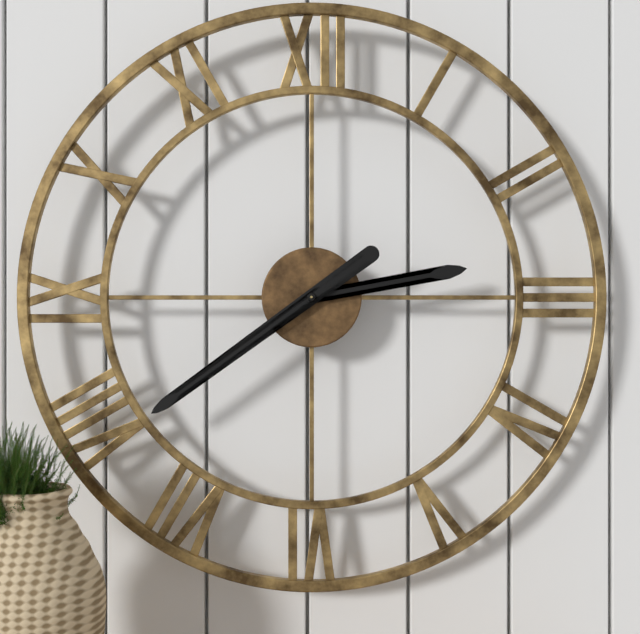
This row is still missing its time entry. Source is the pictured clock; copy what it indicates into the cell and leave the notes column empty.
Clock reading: 2:39
